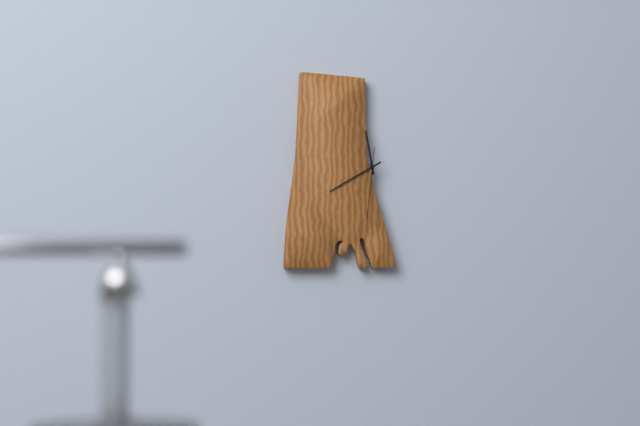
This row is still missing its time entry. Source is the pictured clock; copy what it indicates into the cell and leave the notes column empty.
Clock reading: 11:40:31
